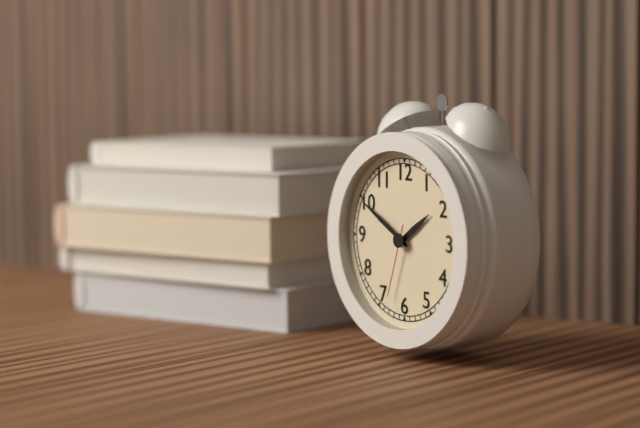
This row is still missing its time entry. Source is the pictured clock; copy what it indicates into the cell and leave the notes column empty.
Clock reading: 1:50:33
